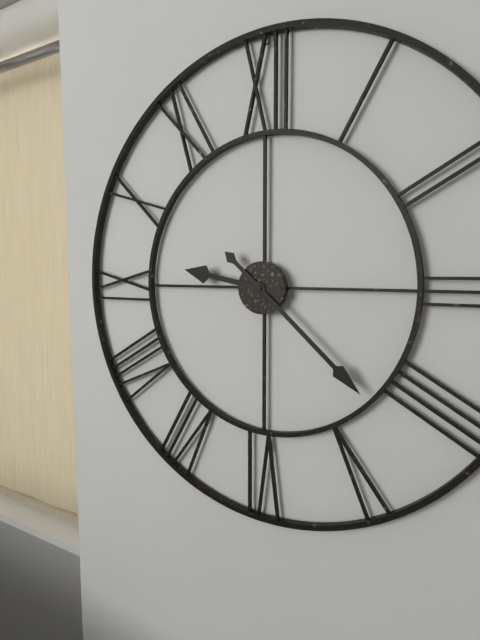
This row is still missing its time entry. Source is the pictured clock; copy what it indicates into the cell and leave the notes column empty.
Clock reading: 9:22
